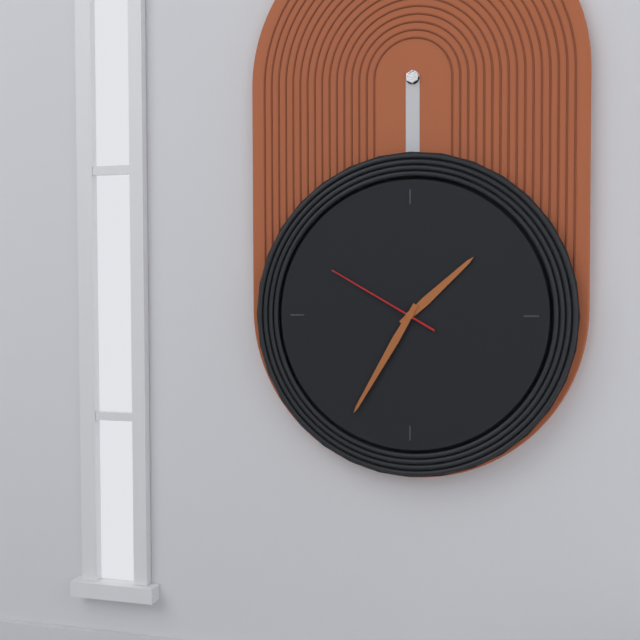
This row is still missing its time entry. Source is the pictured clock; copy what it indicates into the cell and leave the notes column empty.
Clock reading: 1:35:50
